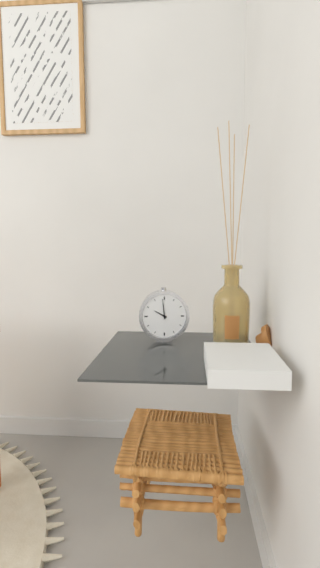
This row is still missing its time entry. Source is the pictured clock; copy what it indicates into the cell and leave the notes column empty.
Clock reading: 9:59
